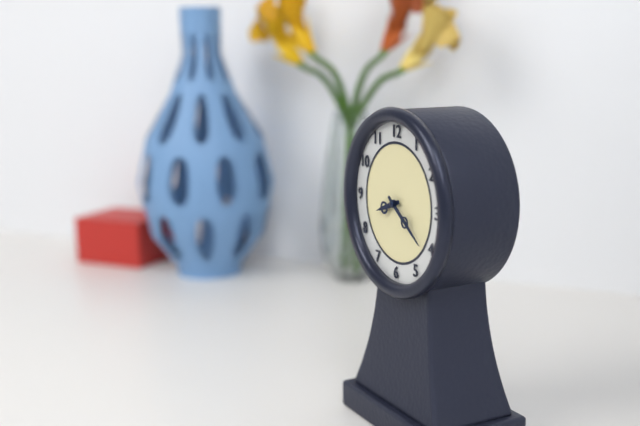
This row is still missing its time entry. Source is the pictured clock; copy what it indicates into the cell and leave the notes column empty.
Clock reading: 8:21
